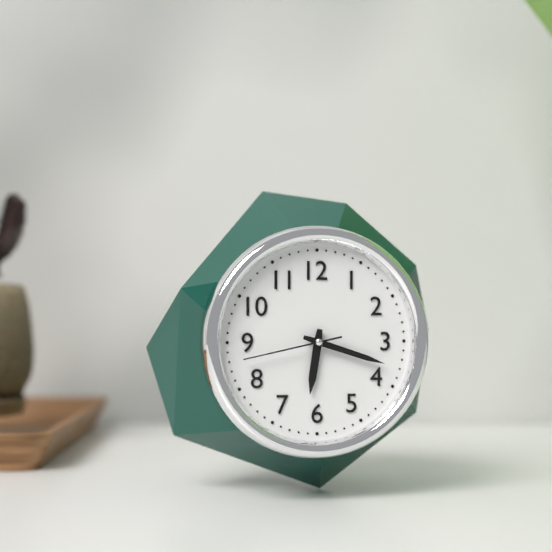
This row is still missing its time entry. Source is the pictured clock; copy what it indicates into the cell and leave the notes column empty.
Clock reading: 6:18:43
